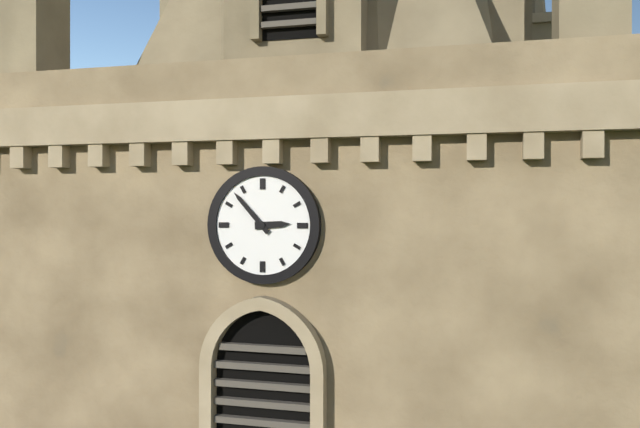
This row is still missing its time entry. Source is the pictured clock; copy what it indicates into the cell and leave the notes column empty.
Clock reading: 2:53
